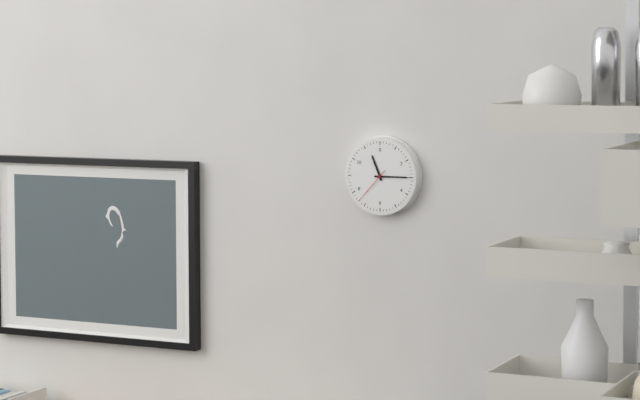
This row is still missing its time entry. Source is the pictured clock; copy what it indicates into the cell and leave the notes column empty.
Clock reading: 11:15
